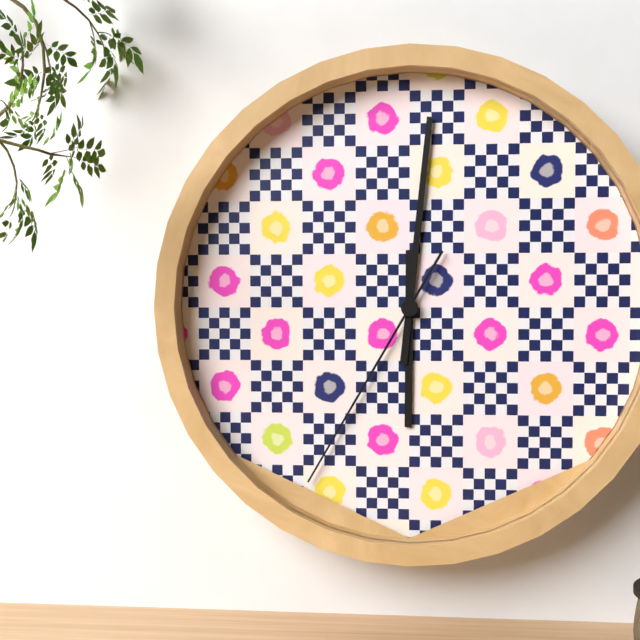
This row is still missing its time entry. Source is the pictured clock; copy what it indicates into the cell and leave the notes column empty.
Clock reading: 6:01:35
